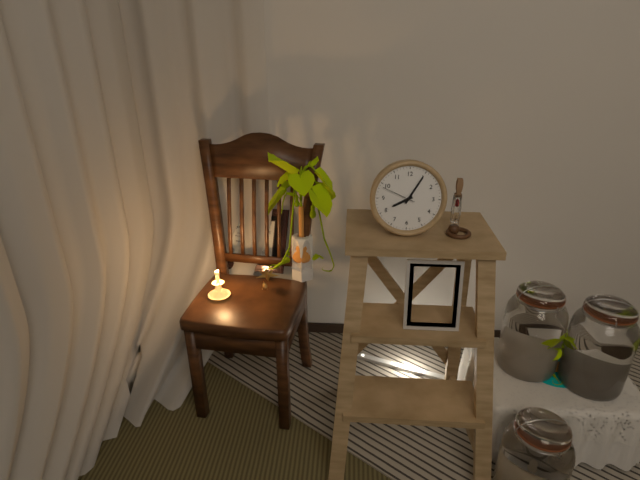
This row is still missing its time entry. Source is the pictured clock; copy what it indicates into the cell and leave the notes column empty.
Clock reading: 8:05
